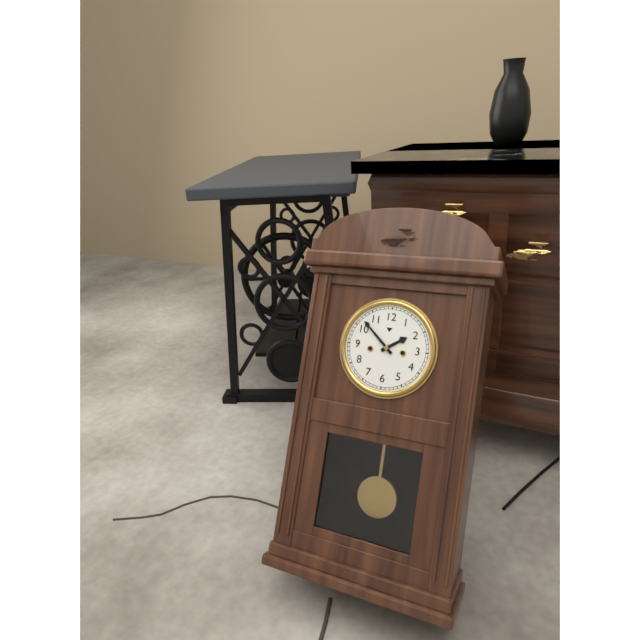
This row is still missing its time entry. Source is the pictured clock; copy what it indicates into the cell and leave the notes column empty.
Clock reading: 1:52
